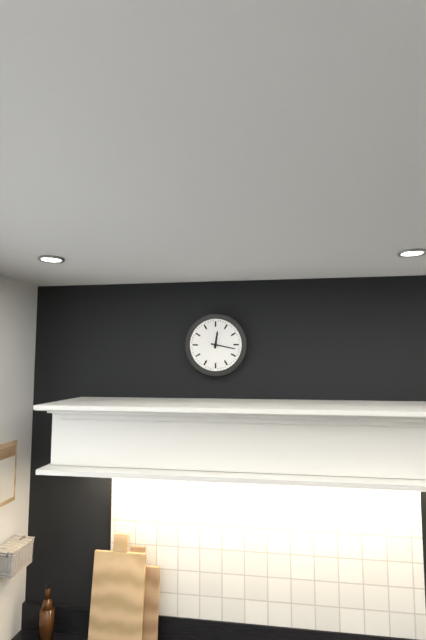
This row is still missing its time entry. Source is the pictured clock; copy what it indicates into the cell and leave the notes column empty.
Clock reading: 12:17
